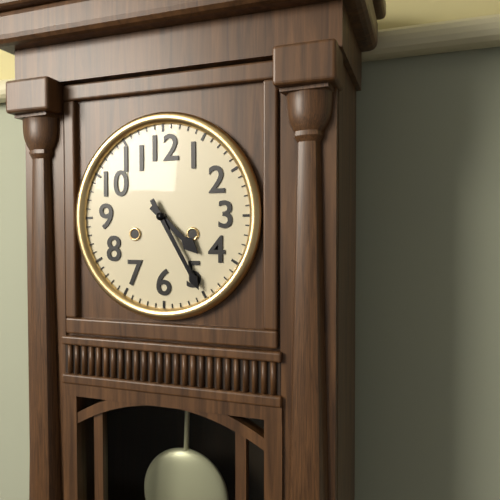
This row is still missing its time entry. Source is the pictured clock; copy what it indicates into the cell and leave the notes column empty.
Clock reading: 4:25
